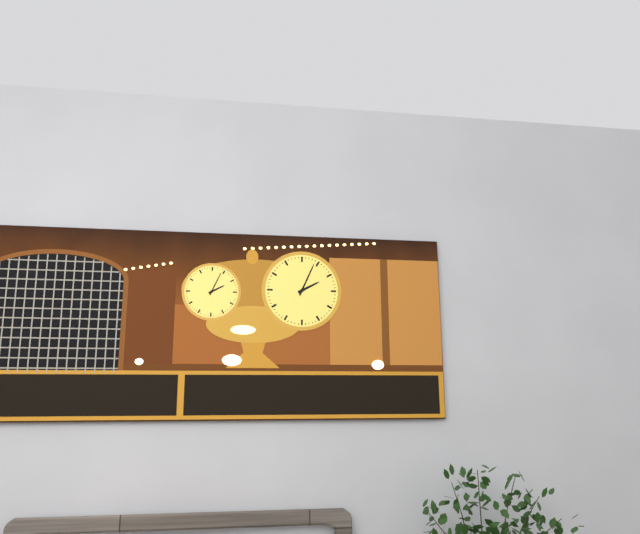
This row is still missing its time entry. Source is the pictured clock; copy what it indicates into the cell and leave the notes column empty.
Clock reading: 2:04
